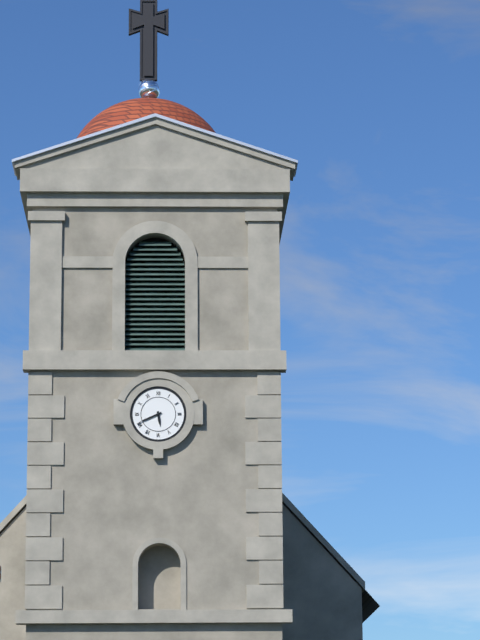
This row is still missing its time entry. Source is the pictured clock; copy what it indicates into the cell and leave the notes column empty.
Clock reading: 5:41
